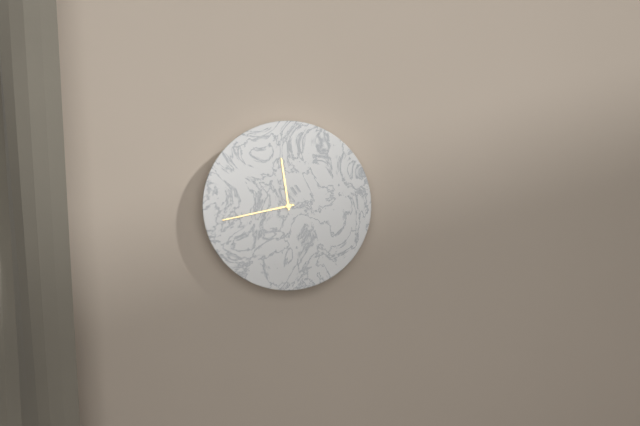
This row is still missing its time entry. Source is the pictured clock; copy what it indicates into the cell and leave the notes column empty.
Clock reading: 11:43
